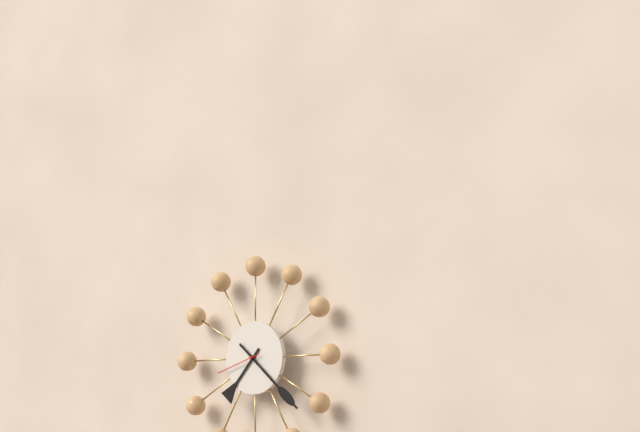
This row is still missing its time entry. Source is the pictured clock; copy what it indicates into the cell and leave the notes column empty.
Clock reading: 7:22:42
